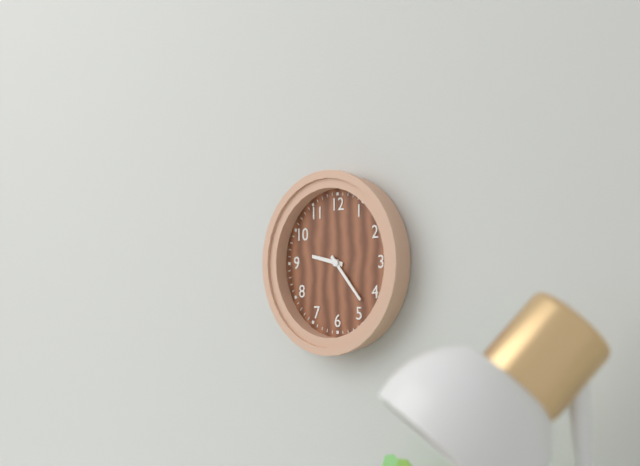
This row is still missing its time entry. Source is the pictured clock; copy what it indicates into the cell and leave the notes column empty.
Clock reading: 9:23
